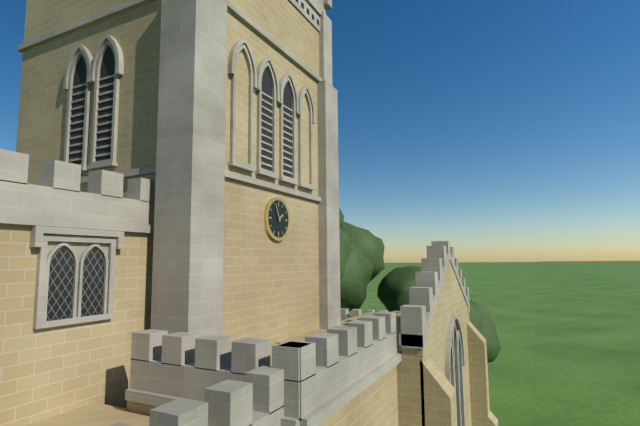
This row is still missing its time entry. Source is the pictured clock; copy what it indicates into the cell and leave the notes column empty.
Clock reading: 1:56
